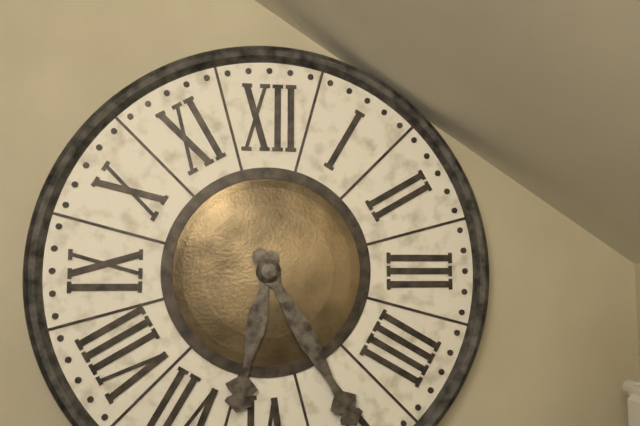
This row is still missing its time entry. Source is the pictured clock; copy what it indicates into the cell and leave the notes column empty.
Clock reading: 6:25
